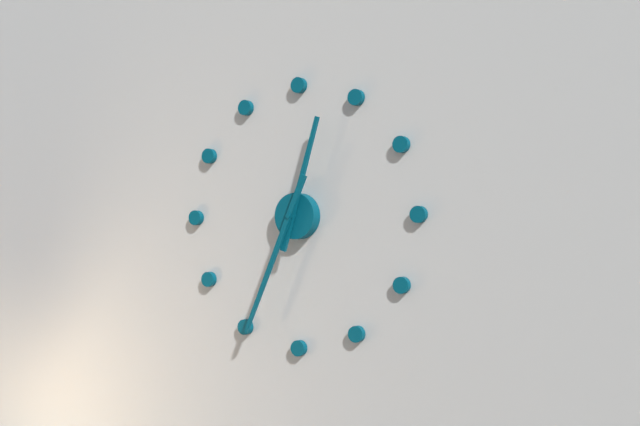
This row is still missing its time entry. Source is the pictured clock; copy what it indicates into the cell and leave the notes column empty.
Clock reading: 12:34
